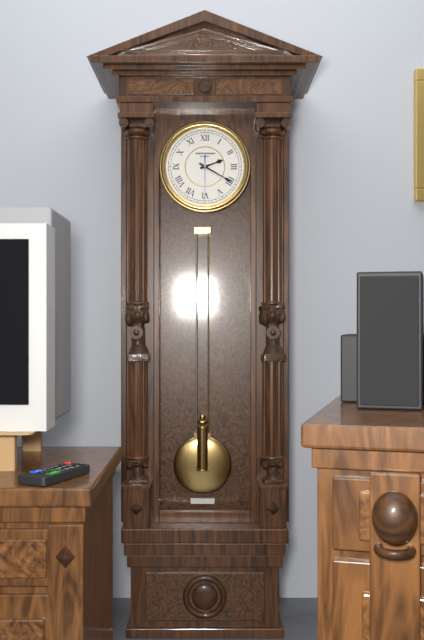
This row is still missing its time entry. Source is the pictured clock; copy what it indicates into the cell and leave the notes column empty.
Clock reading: 2:20
